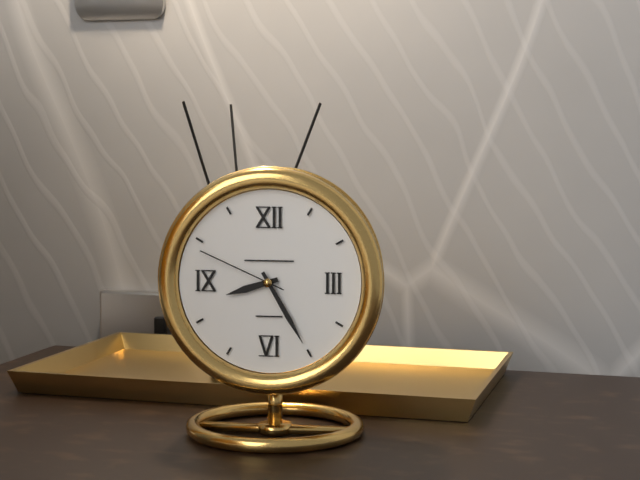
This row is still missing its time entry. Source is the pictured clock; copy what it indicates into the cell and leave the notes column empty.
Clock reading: 8:25:49
